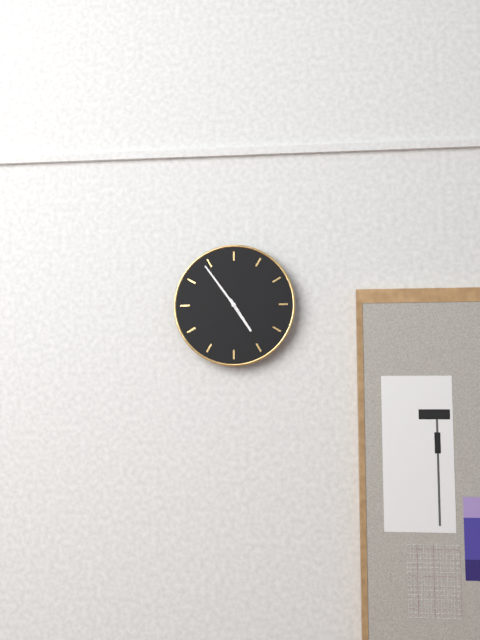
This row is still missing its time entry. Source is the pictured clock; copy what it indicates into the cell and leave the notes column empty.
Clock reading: 4:54
